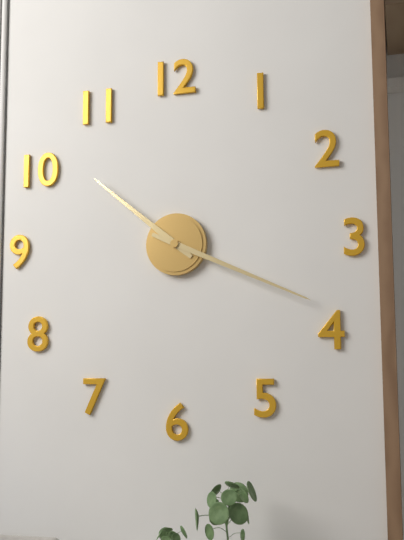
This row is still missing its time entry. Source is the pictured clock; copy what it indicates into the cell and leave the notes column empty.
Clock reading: 10:19
